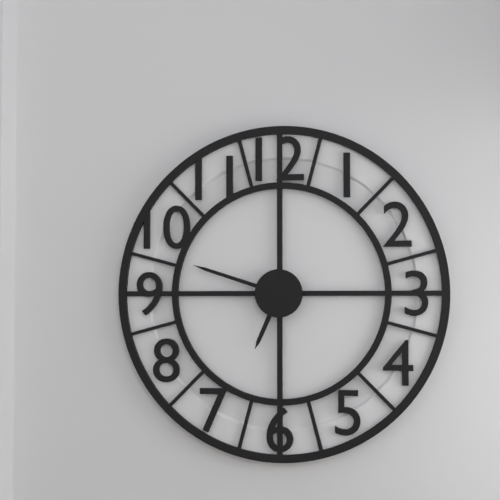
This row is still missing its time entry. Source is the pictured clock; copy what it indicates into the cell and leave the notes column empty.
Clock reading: 6:48
